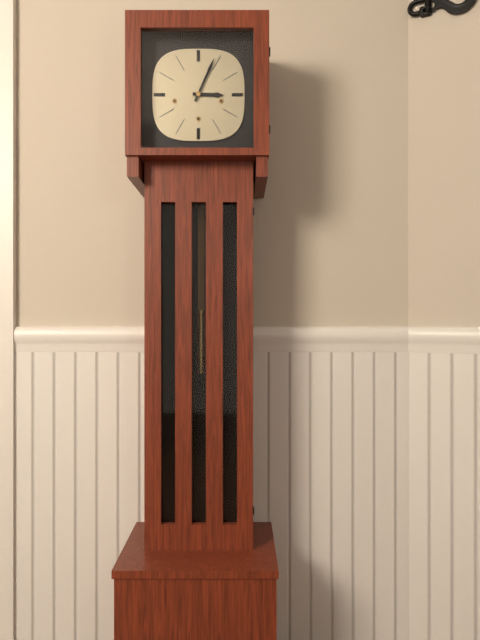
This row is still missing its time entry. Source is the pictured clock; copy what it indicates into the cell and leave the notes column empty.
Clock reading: 3:04
